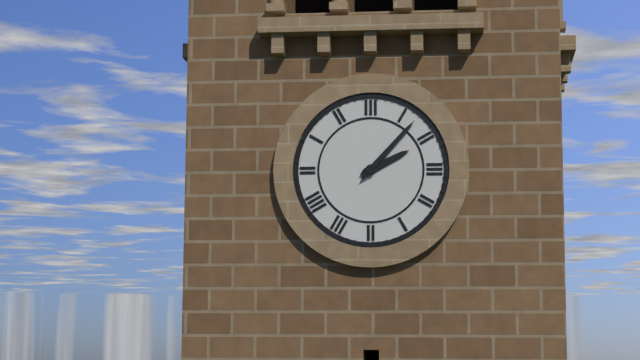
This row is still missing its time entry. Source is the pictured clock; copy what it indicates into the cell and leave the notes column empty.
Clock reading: 2:07
